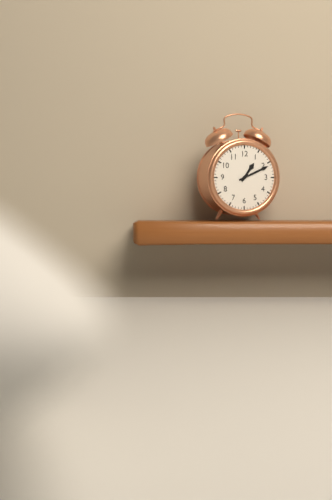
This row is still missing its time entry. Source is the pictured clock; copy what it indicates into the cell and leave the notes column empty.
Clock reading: 1:11
